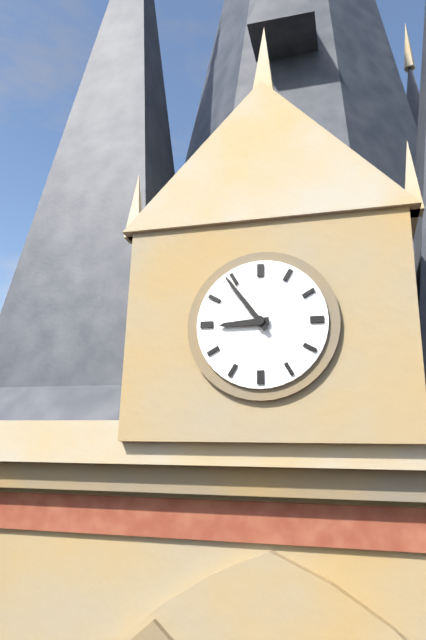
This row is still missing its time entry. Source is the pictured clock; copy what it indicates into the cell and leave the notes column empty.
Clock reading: 8:54
